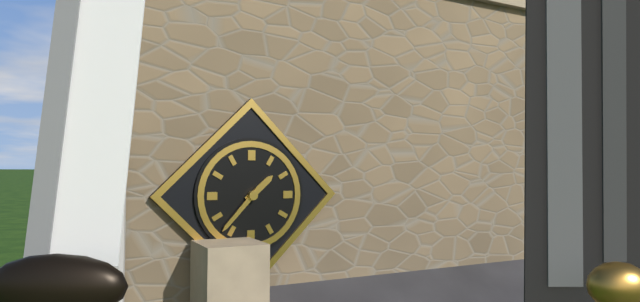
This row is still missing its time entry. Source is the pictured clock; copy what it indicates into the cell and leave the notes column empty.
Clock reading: 1:37
